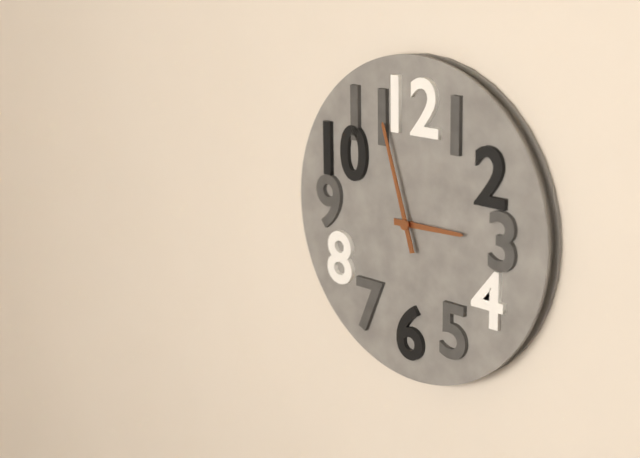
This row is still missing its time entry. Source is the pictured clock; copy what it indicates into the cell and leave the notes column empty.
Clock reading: 2:57
